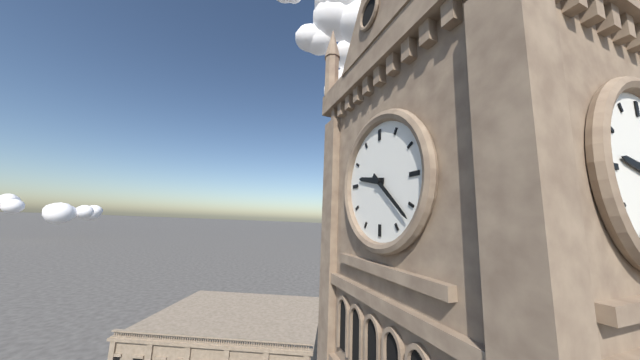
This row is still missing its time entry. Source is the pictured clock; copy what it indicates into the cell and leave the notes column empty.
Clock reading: 9:22
